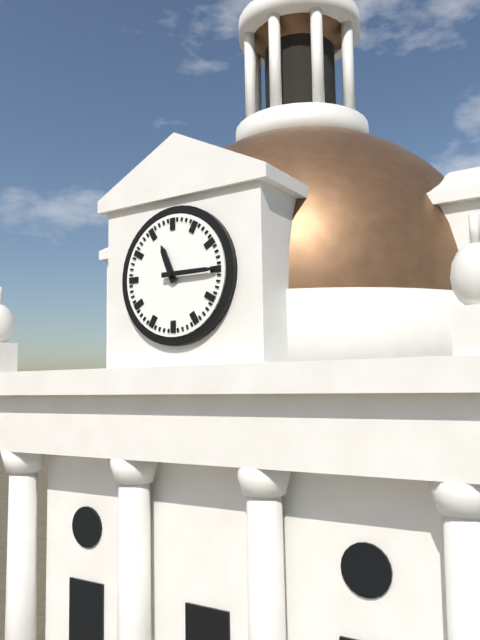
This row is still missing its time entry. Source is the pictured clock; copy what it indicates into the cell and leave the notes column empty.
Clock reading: 11:15
